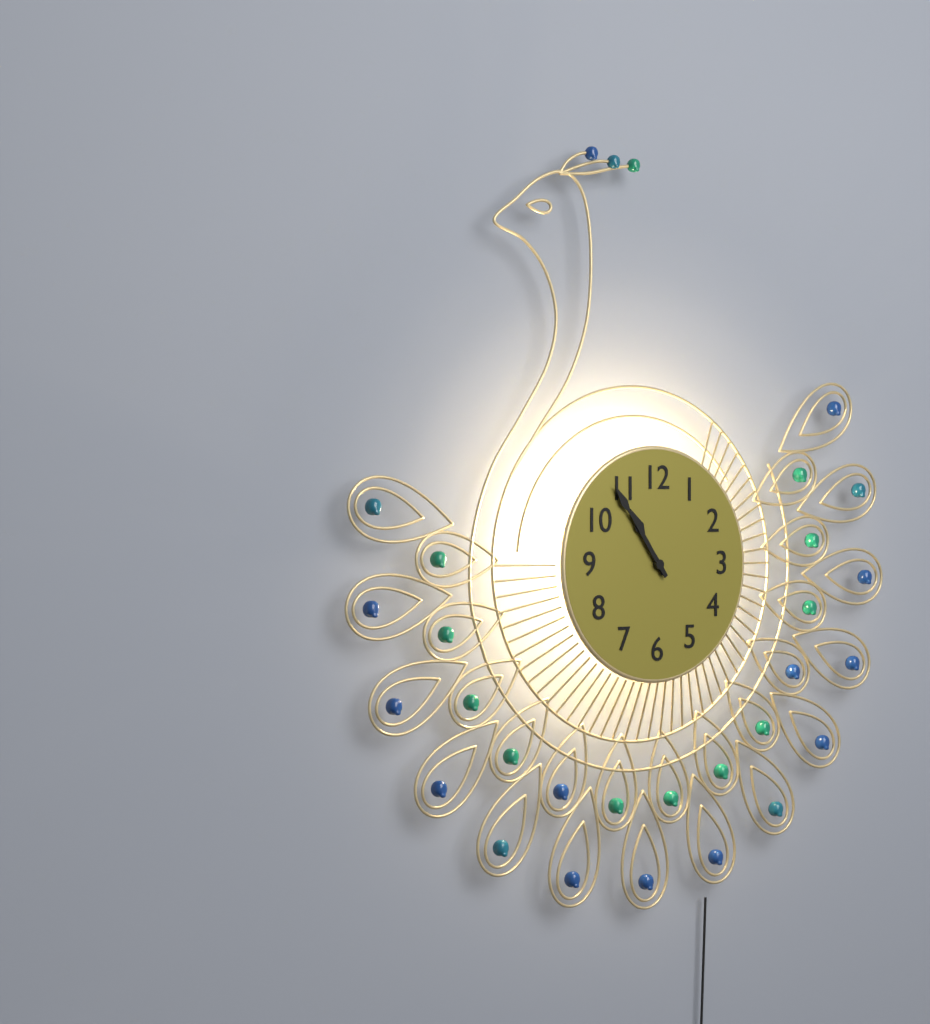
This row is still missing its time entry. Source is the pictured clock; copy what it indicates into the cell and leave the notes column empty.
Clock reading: 10:54
